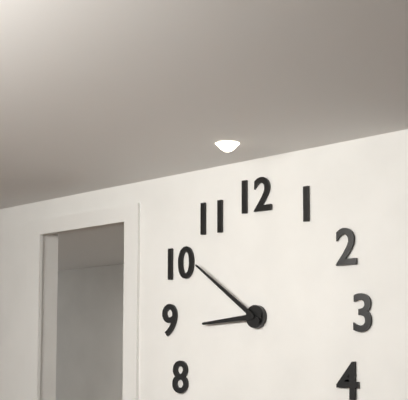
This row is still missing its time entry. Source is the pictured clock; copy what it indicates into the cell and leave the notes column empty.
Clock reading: 8:51
